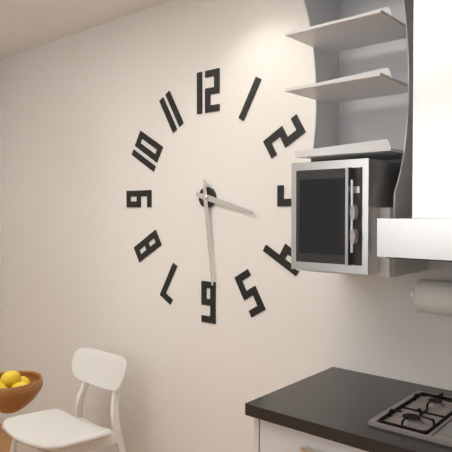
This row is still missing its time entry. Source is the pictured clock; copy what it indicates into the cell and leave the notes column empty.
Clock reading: 3:29
